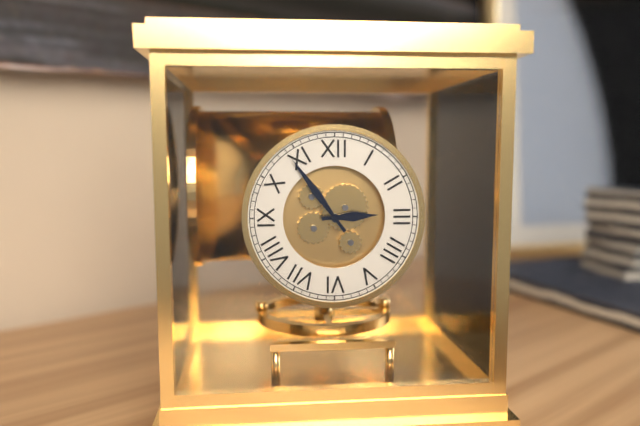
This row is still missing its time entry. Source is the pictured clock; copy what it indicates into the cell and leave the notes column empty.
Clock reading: 2:54
